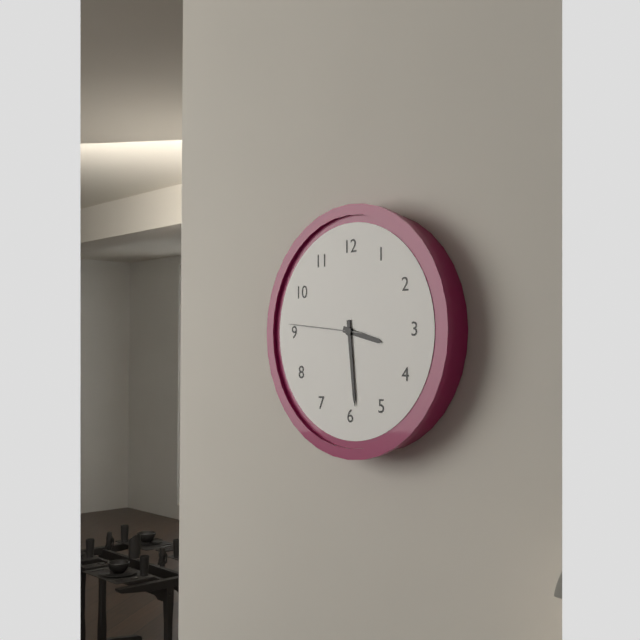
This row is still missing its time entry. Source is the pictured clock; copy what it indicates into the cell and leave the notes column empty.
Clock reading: 3:29:46
